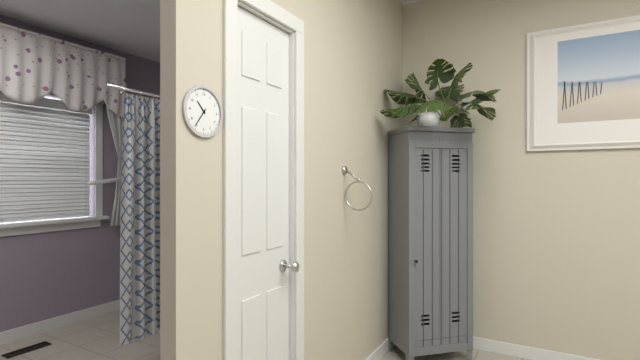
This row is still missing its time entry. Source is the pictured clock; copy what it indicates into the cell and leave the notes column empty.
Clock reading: 10:36
